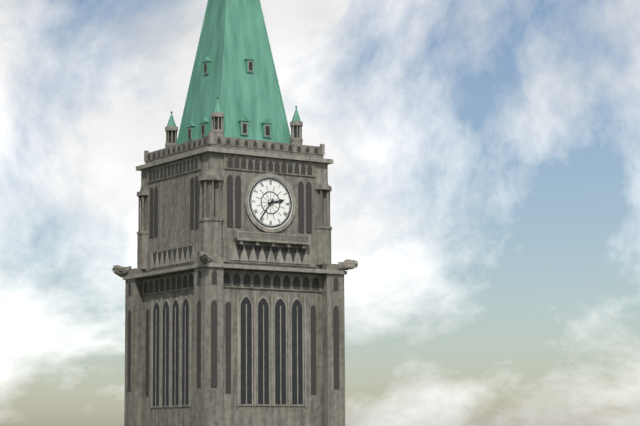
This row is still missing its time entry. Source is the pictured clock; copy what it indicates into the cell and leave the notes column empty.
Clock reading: 2:36
